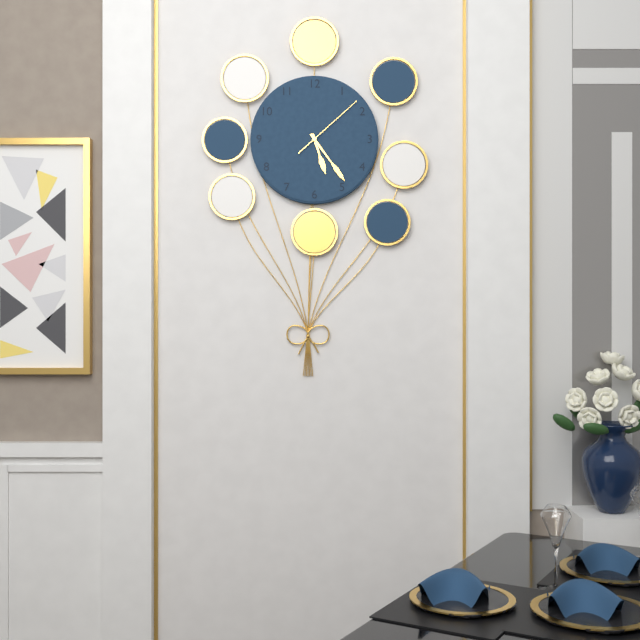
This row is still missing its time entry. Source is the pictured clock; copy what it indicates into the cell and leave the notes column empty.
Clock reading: 5:24:08
